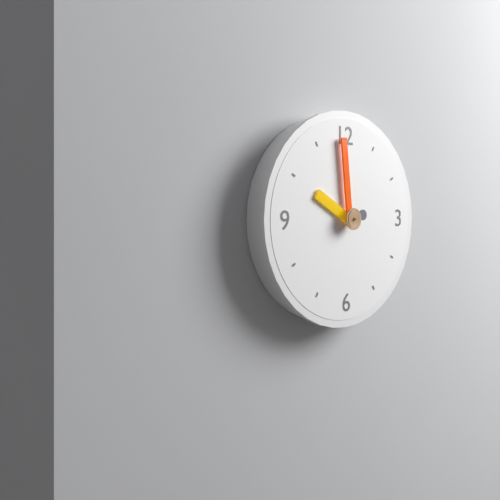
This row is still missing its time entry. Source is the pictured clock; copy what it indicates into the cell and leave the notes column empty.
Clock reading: 9:59
